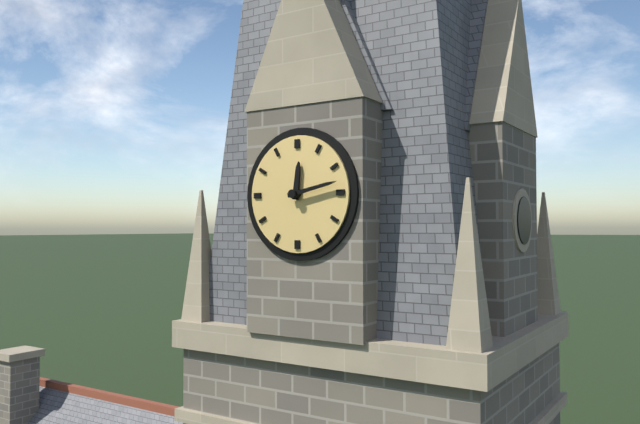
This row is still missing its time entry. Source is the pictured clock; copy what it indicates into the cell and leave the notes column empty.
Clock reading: 12:13
